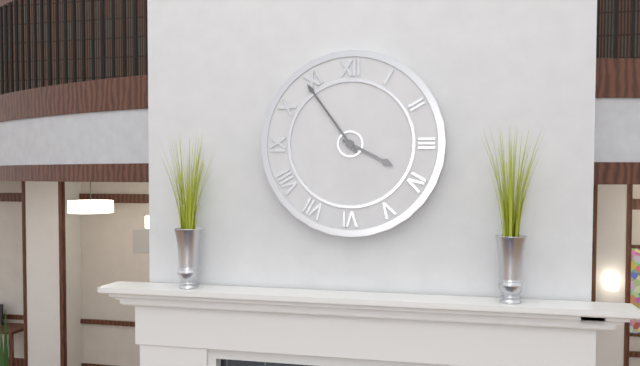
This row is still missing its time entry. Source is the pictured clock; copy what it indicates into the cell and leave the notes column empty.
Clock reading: 3:54
